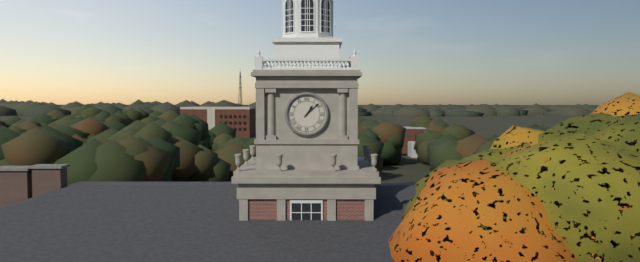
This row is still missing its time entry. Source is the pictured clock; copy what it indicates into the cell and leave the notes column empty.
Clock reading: 1:08
